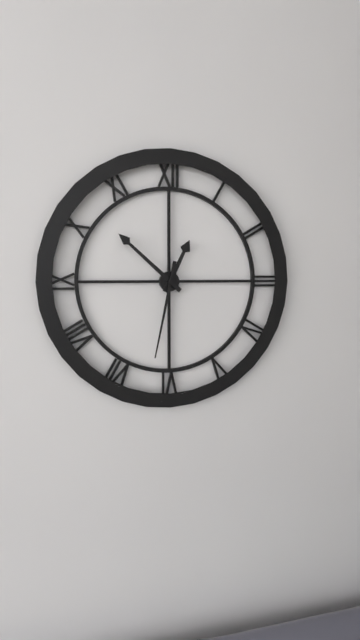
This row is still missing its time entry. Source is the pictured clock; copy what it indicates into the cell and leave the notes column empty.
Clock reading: 12:52:32
